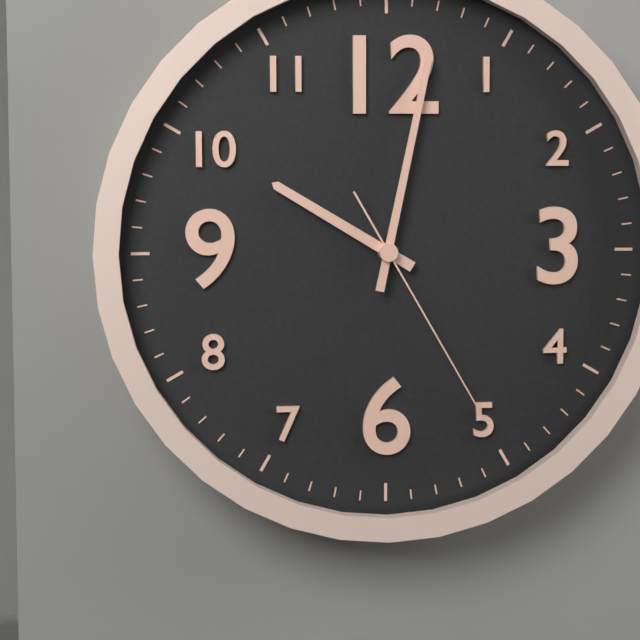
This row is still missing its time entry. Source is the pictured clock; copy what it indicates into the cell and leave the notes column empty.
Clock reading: 10:02:25
